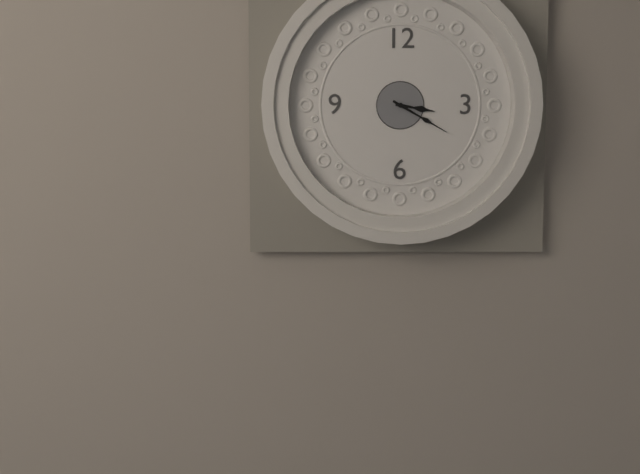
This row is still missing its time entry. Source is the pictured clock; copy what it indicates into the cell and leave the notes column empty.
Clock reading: 3:20
